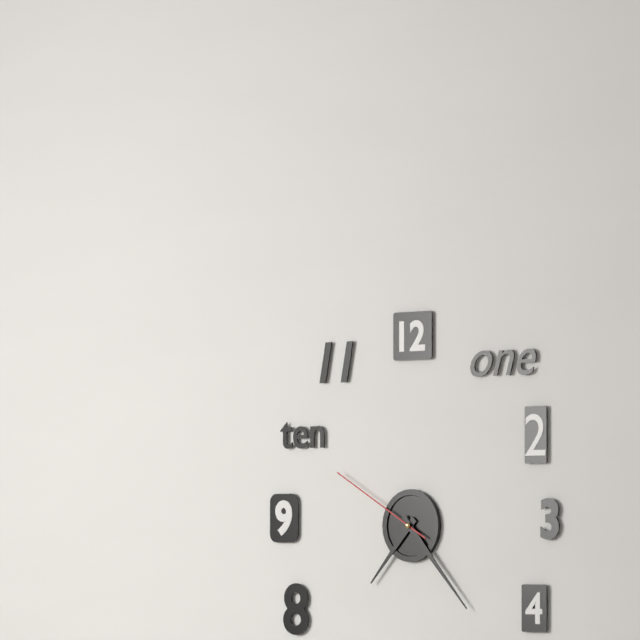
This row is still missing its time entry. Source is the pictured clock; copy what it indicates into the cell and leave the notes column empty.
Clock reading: 7:23:50
